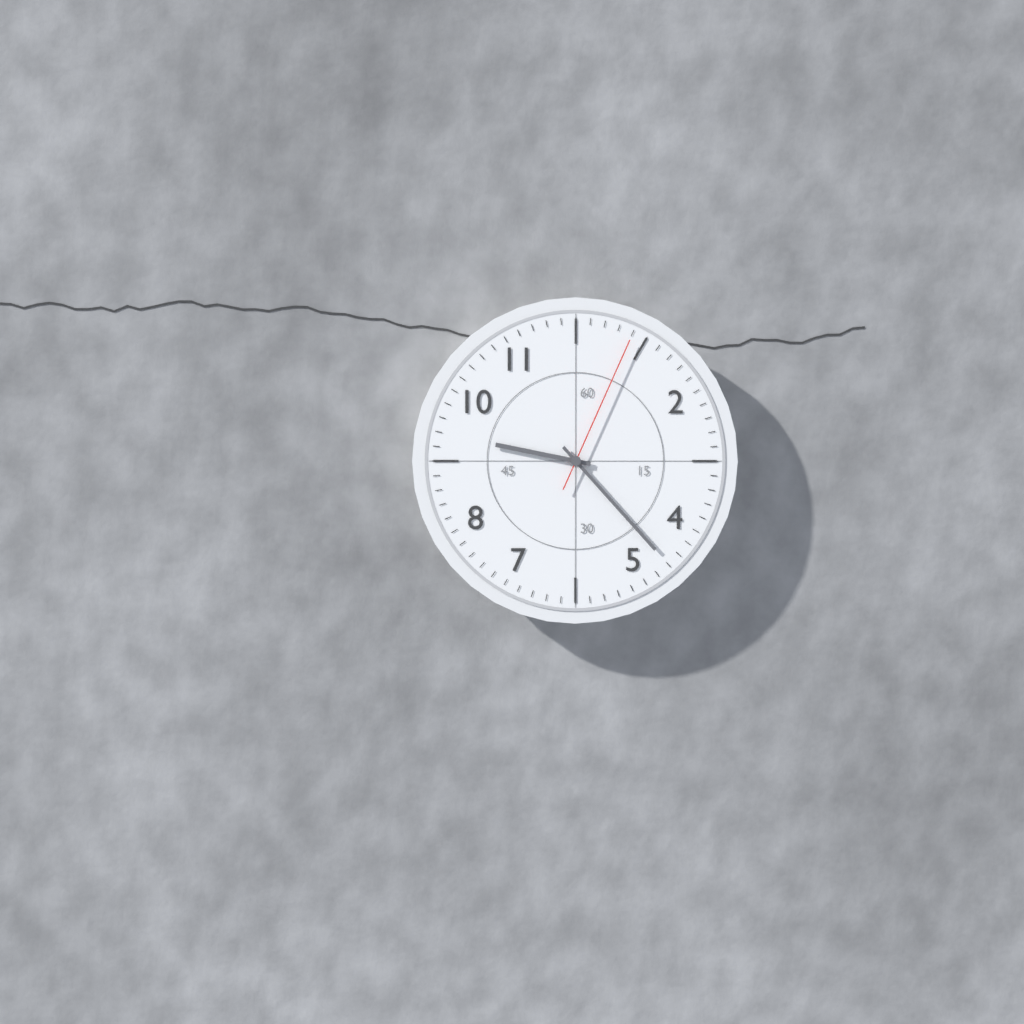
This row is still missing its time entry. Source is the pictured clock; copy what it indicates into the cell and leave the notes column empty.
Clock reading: 9:23:04
